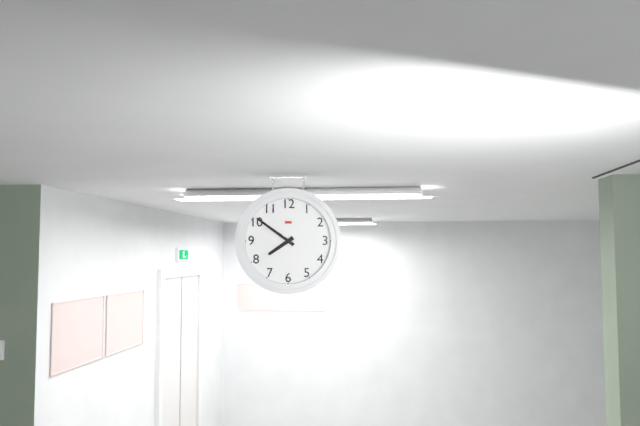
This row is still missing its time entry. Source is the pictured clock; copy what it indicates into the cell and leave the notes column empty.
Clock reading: 7:51
